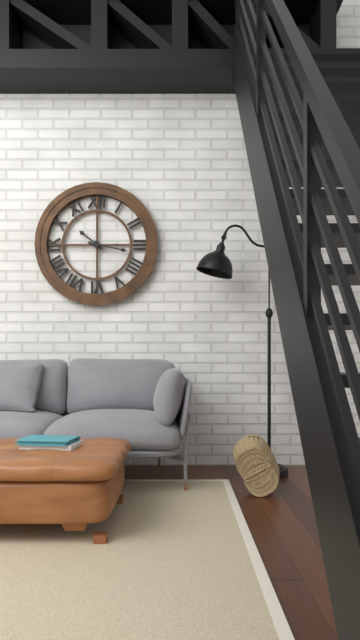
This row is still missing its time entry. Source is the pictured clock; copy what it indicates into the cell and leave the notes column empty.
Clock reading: 10:17
